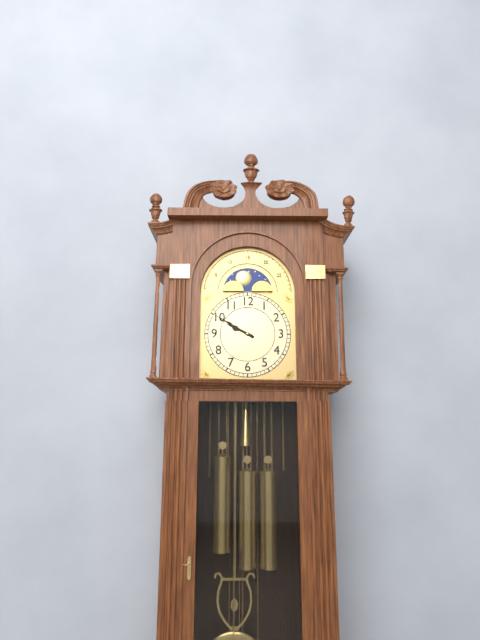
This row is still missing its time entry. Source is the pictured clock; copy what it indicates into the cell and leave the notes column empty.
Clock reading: 9:50
